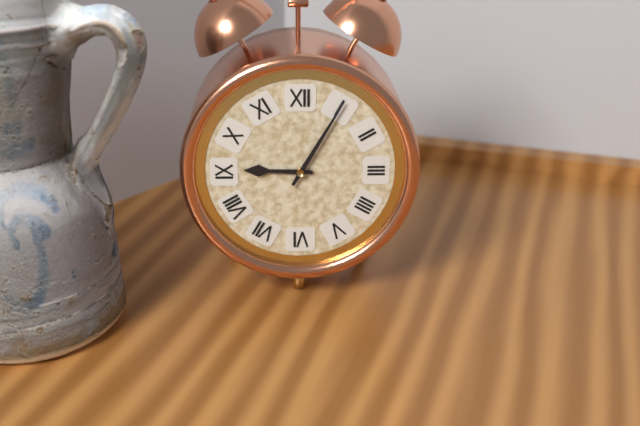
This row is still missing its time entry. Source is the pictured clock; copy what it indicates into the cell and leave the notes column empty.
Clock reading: 9:05
